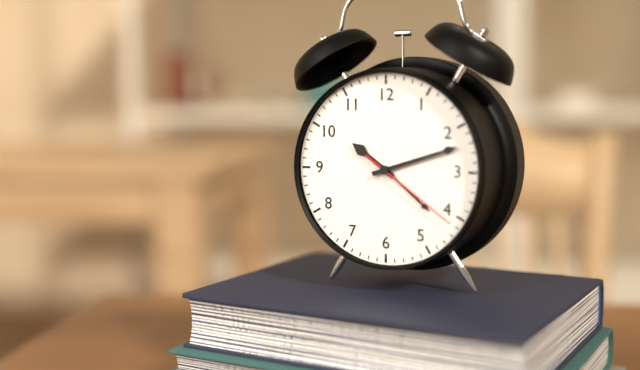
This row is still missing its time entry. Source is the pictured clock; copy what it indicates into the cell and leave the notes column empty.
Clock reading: 10:12:21
